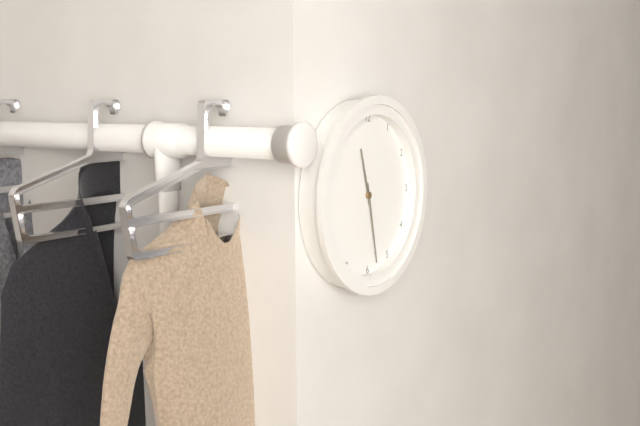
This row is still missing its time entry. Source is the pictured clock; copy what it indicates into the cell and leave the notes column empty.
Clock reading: 11:28
